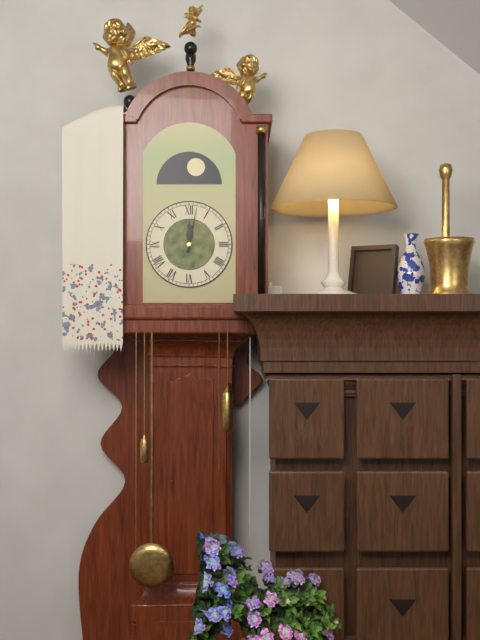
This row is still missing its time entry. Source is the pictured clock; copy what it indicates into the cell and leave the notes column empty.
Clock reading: 12:02
